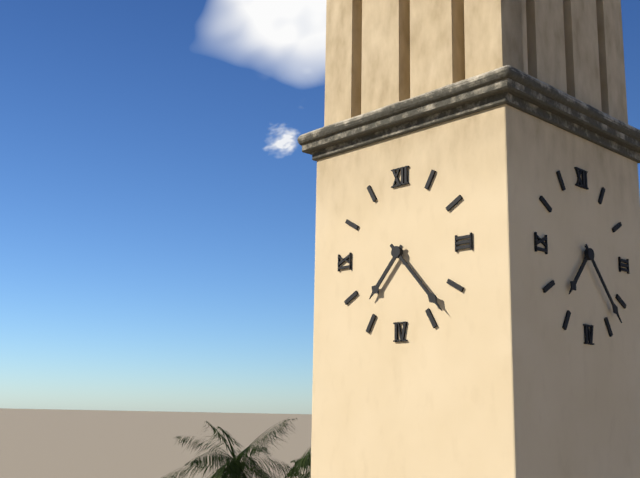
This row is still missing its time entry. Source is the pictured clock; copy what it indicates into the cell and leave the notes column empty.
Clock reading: 7:23
